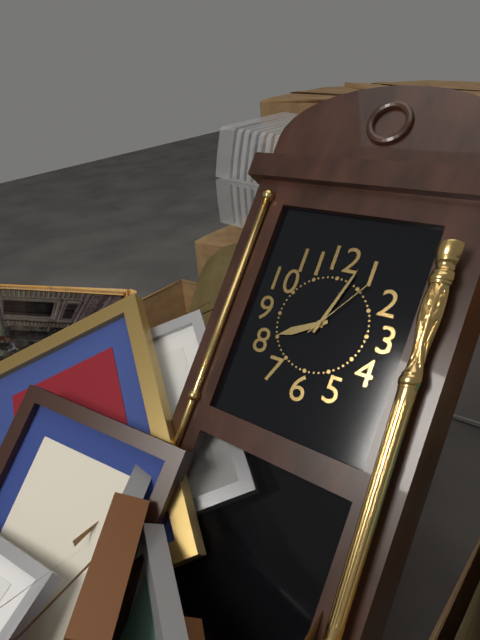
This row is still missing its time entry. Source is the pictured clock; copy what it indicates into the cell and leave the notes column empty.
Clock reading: 8:03:06
